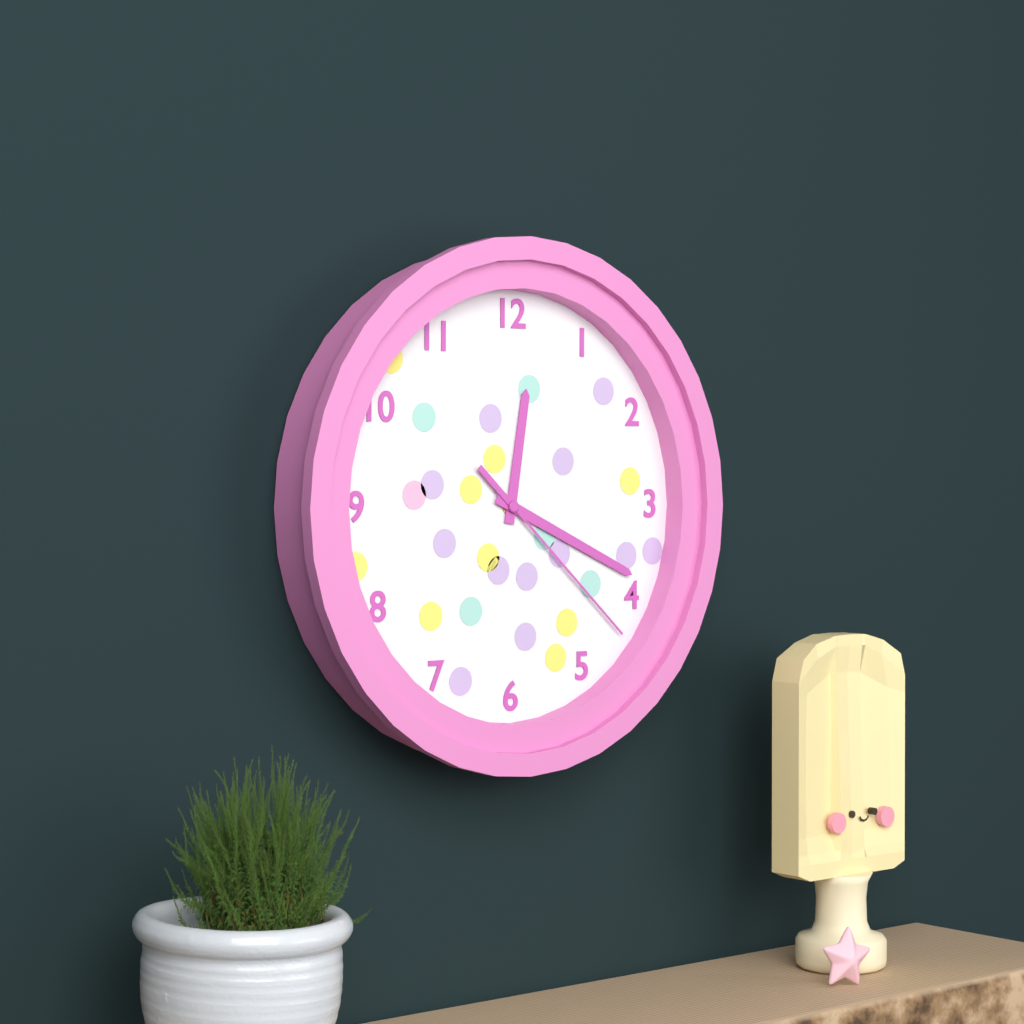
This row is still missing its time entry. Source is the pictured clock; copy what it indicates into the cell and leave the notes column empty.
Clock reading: 12:19:22
